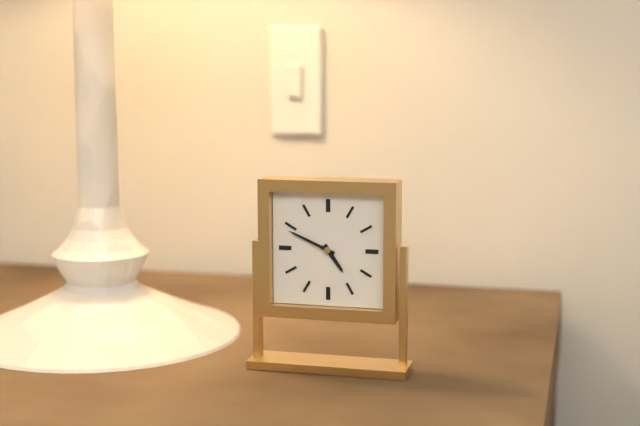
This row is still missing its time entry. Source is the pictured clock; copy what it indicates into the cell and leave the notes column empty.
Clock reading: 4:49
